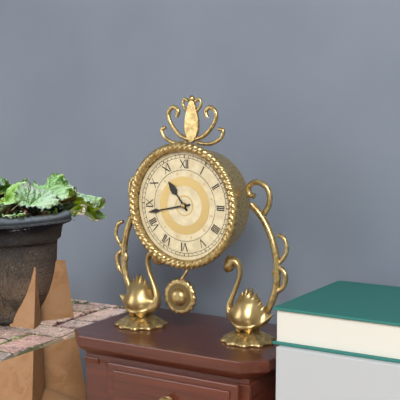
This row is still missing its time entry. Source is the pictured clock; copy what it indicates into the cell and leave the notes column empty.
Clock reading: 10:43
